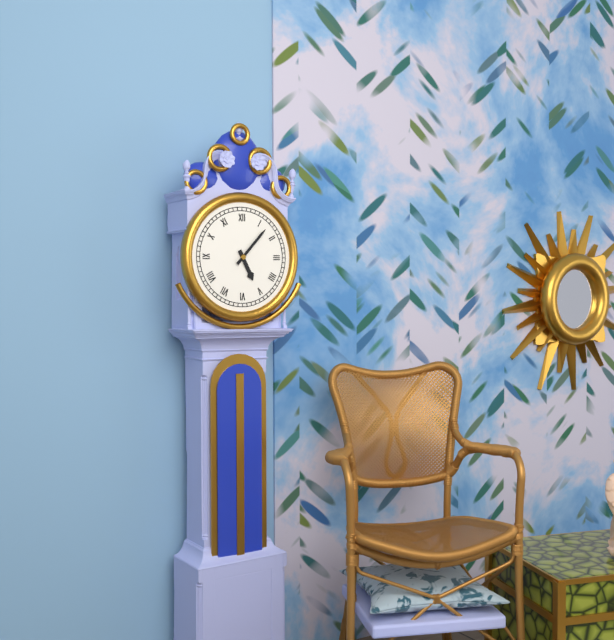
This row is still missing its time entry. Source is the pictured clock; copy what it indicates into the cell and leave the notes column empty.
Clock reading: 5:07
